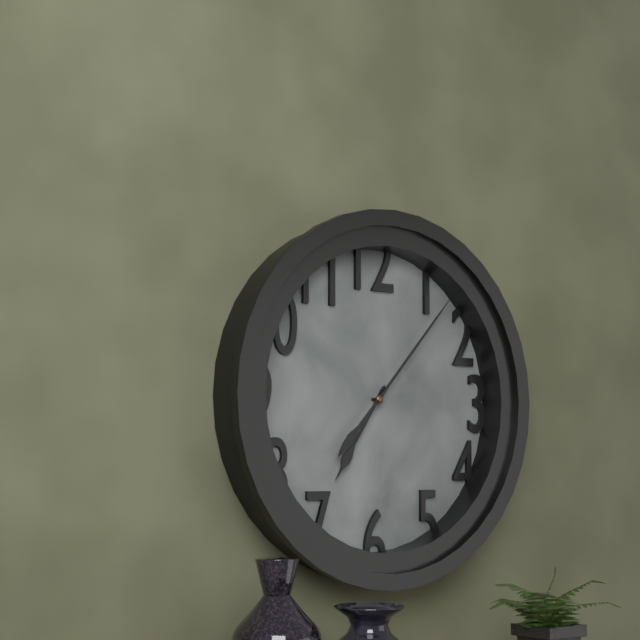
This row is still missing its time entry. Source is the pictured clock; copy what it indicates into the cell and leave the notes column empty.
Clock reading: 7:07
